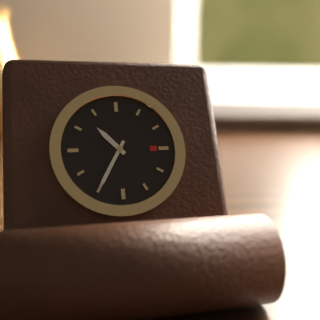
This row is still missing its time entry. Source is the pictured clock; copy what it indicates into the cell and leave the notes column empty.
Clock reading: 10:35
